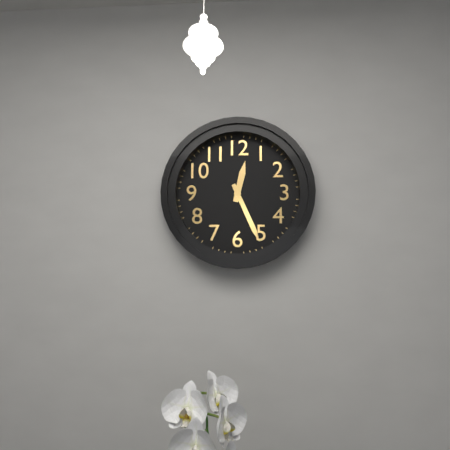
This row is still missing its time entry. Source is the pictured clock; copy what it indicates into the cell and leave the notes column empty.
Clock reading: 12:26
